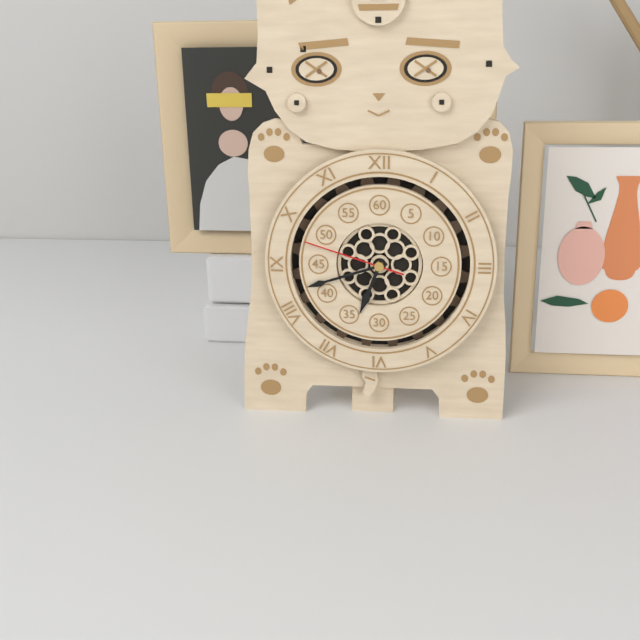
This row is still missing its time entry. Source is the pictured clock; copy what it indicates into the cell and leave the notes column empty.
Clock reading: 6:42:48
